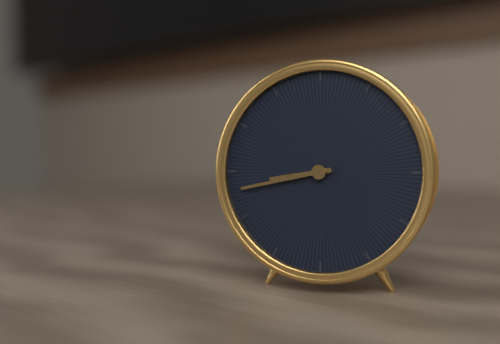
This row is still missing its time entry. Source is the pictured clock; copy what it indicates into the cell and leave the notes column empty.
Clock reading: 8:43
